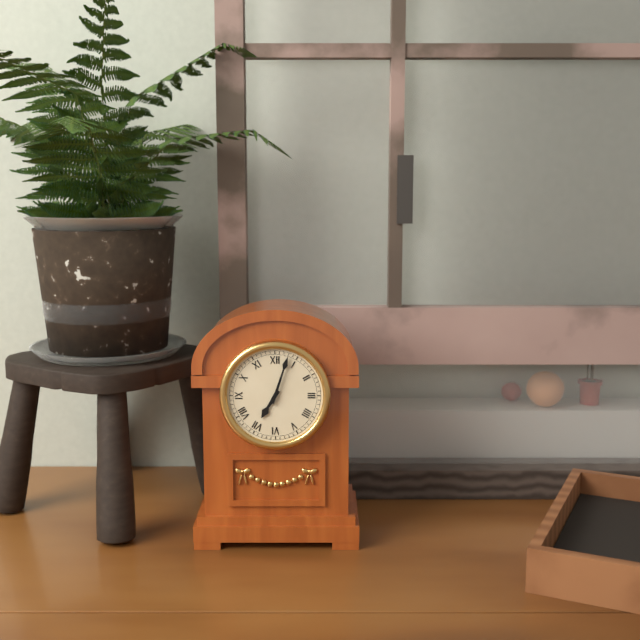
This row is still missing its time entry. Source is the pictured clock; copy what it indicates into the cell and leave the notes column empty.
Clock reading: 7:03
